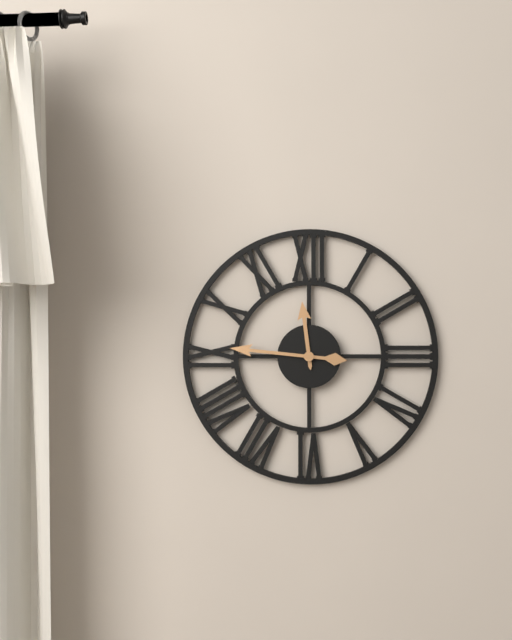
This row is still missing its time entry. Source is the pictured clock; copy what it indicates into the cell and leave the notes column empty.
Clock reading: 11:46
